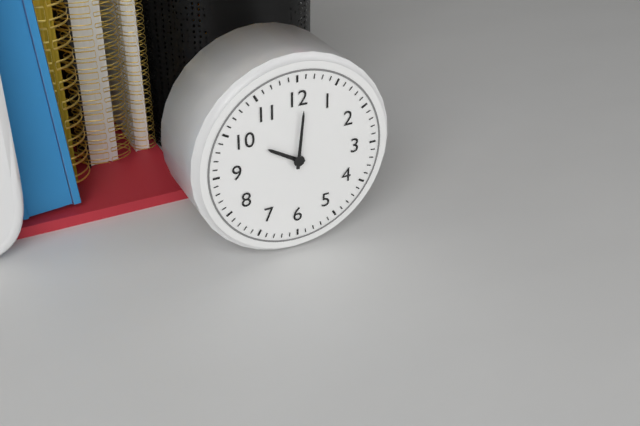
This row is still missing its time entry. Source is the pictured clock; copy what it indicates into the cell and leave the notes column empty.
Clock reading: 10:01
